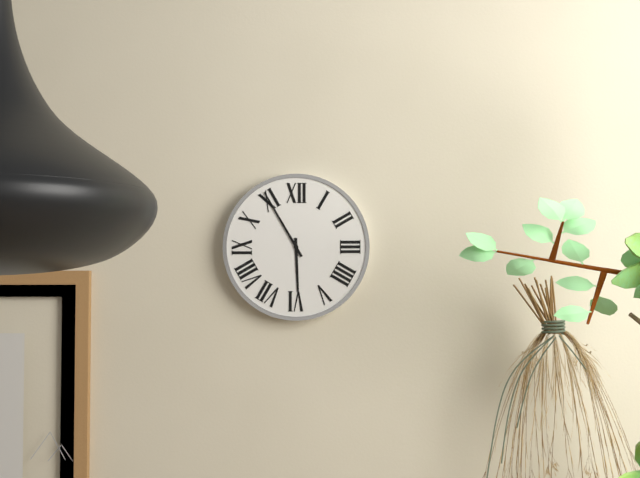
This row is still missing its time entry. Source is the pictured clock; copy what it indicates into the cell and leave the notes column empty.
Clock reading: 5:55
